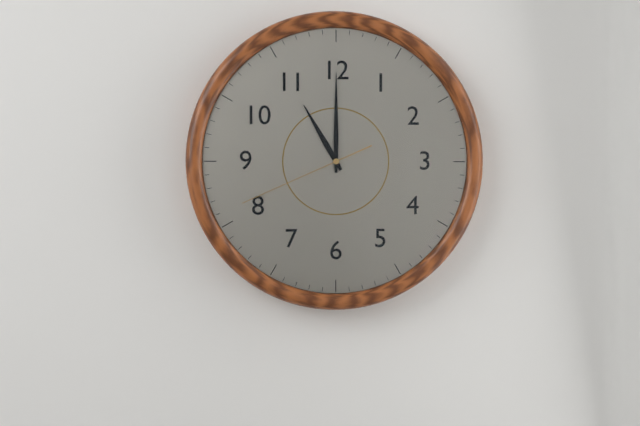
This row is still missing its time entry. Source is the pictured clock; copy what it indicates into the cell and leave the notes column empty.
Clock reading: 11:00:41
